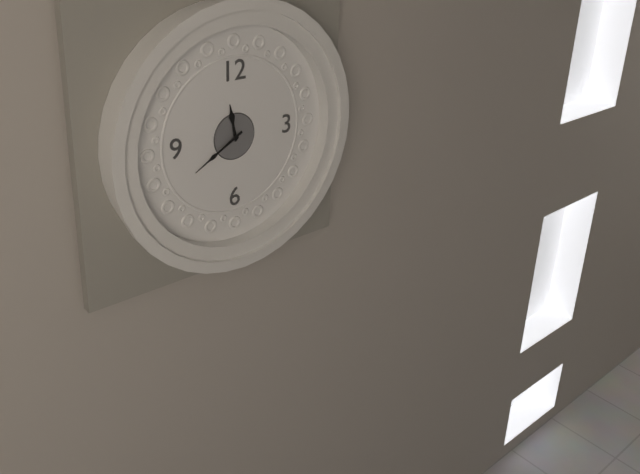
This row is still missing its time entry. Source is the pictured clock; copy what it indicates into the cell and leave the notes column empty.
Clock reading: 11:40
